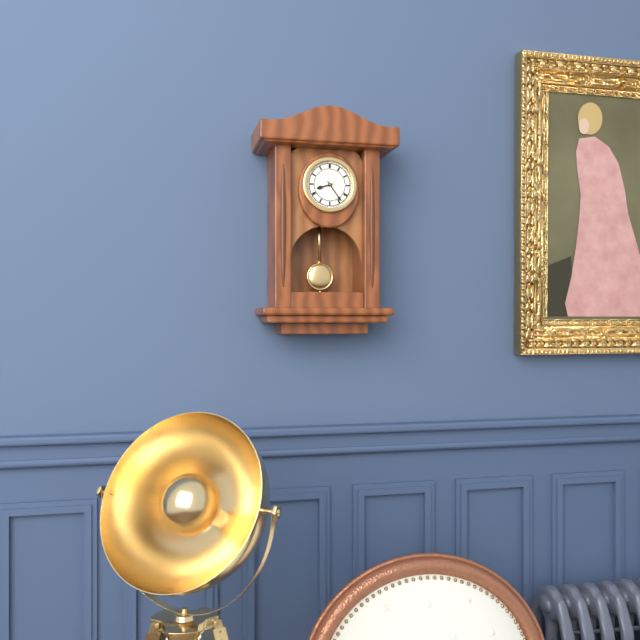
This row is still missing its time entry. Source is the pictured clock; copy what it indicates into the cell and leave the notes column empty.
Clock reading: 8:24
